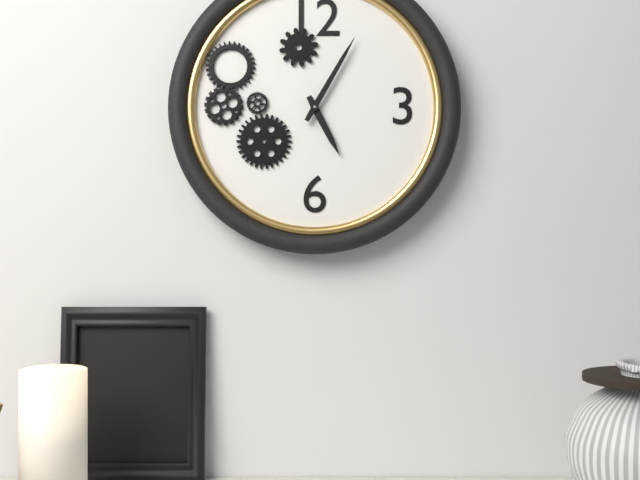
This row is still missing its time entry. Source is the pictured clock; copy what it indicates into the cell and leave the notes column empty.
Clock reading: 5:05
